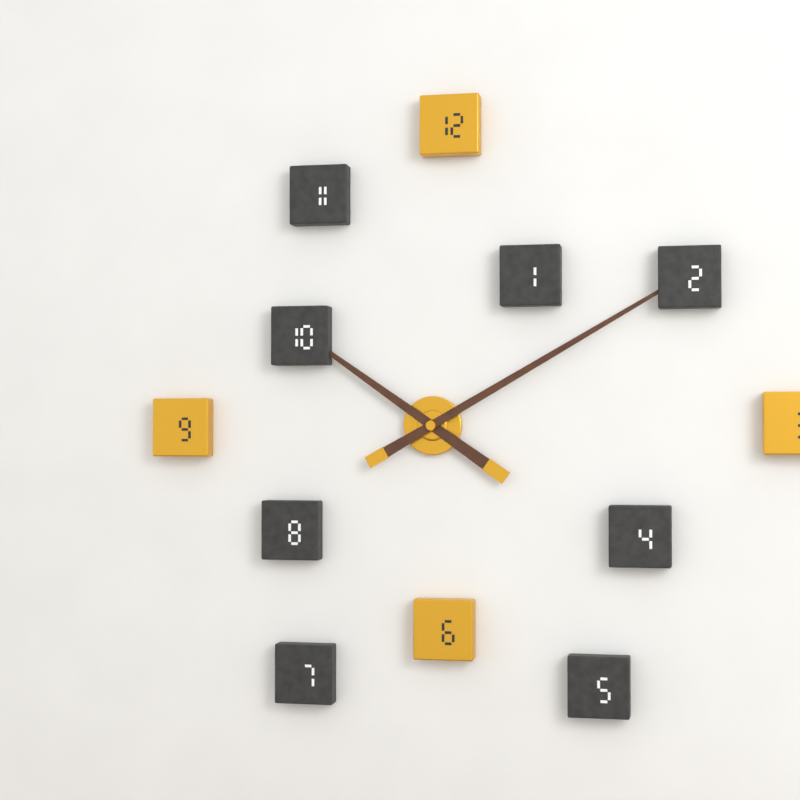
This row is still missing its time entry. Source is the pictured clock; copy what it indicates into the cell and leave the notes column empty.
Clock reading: 10:10
